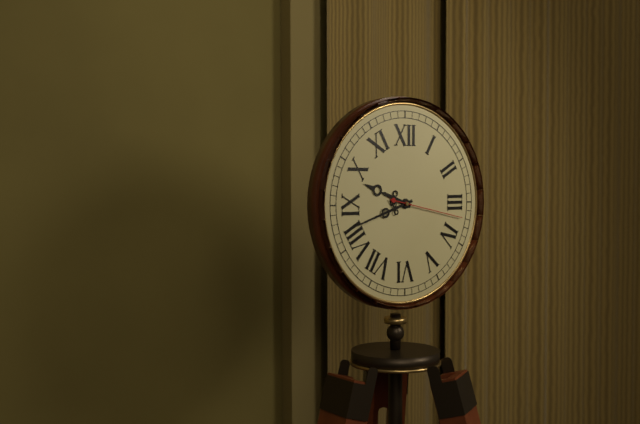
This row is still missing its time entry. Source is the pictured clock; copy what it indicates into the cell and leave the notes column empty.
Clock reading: 9:42:17
